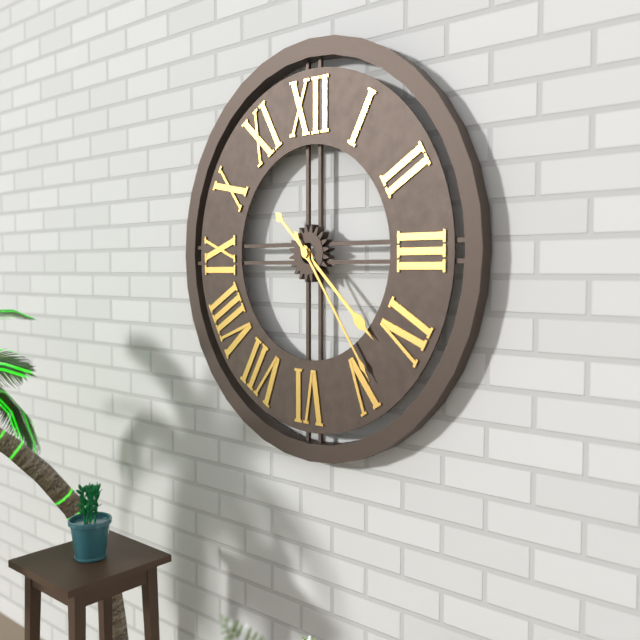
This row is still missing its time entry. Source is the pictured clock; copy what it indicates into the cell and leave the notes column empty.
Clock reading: 4:24
